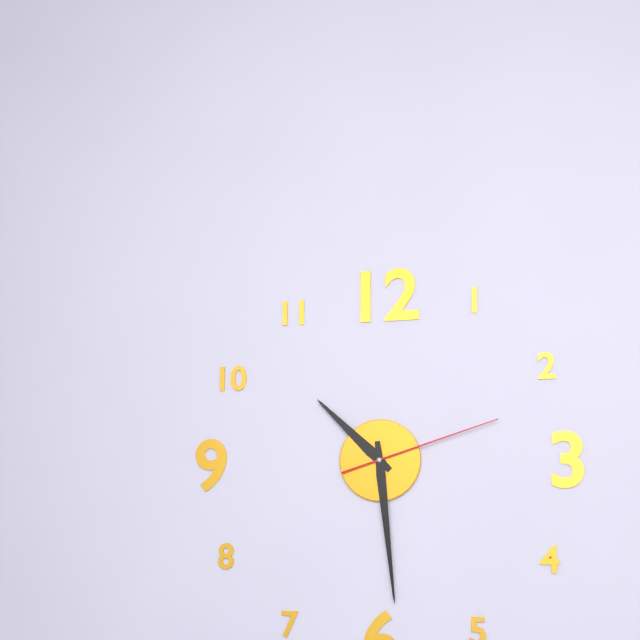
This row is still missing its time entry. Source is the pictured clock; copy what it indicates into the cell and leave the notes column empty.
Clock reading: 10:29:12
